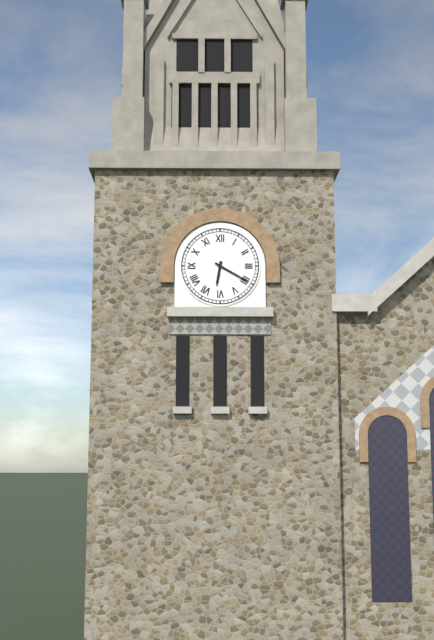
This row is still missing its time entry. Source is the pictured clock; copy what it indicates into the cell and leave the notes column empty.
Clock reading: 6:20
